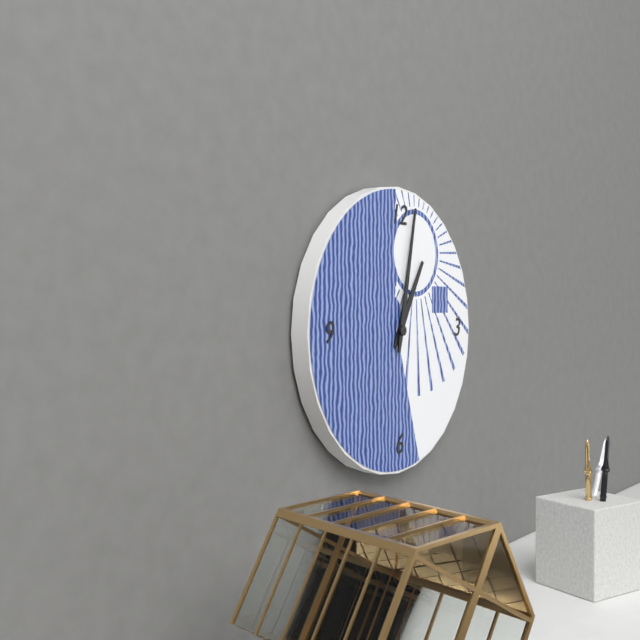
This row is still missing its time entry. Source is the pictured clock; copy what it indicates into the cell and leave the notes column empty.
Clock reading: 1:02
